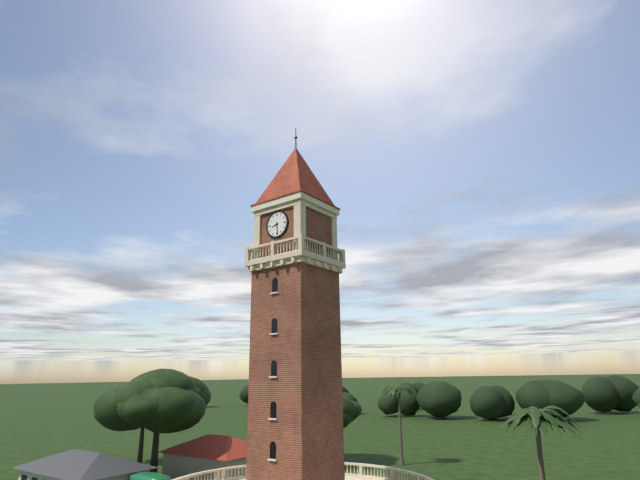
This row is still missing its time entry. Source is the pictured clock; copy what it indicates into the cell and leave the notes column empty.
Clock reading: 8:29
